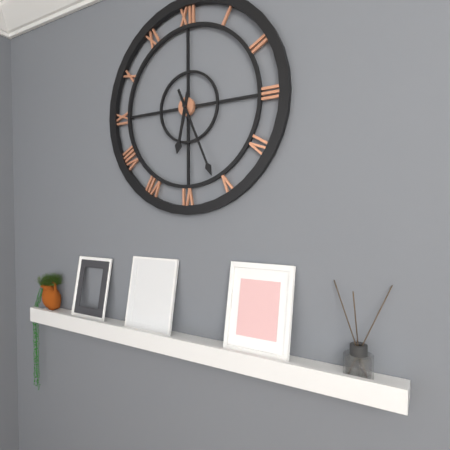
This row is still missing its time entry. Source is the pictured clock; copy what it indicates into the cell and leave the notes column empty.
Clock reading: 6:26
